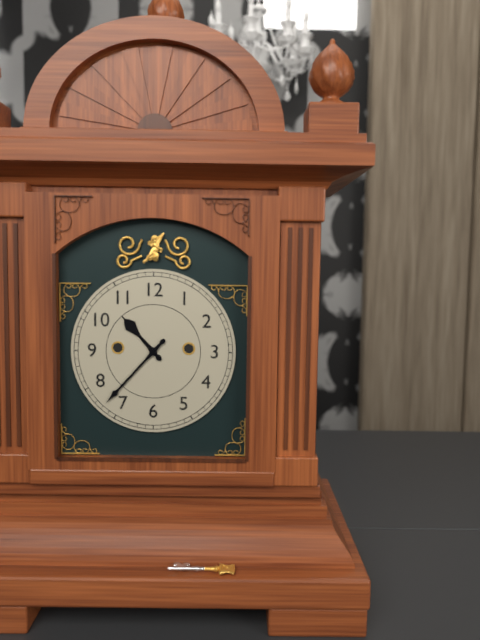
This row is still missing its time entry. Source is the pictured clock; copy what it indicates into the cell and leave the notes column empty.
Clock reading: 10:37
